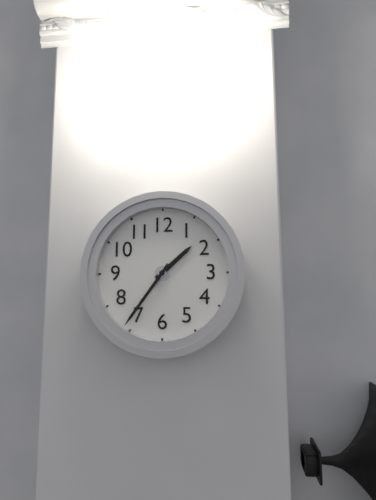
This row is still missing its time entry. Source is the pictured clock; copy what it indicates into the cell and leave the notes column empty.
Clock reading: 1:36
